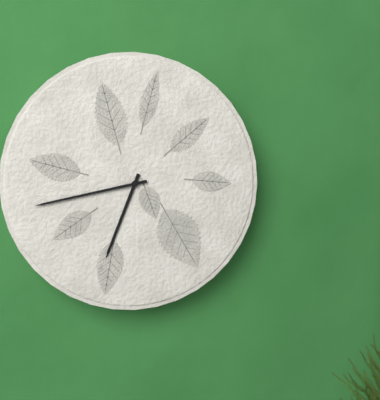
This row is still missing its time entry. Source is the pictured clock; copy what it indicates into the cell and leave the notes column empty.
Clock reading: 6:43
